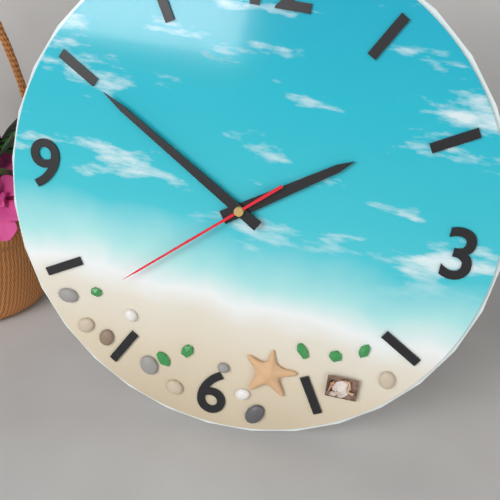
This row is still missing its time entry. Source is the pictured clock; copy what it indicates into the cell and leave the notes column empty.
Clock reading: 1:50:38
